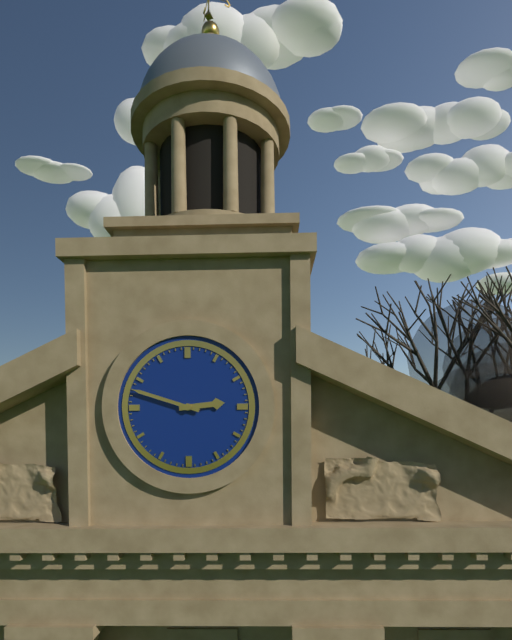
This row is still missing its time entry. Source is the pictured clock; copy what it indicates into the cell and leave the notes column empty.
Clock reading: 2:48
